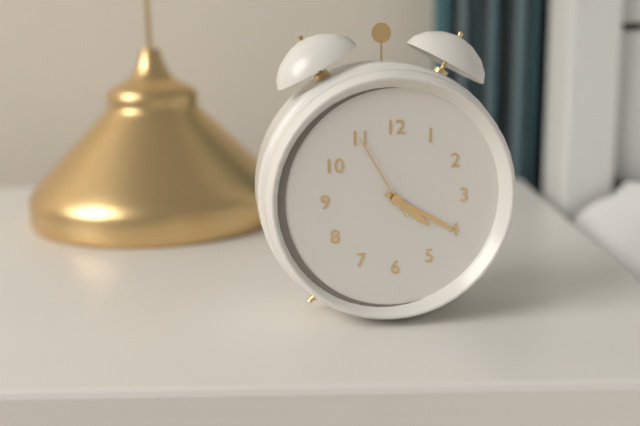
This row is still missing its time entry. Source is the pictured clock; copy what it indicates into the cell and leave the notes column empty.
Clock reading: 4:20:55
